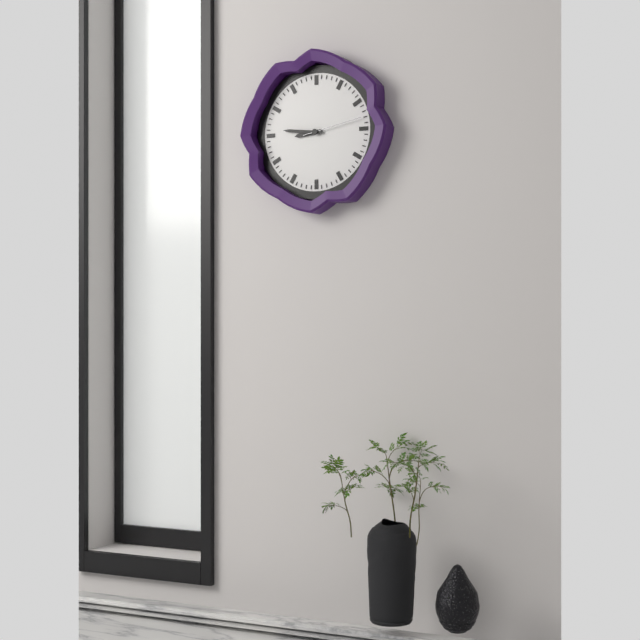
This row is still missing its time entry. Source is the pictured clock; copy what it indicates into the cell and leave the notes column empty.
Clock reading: 8:46:13
